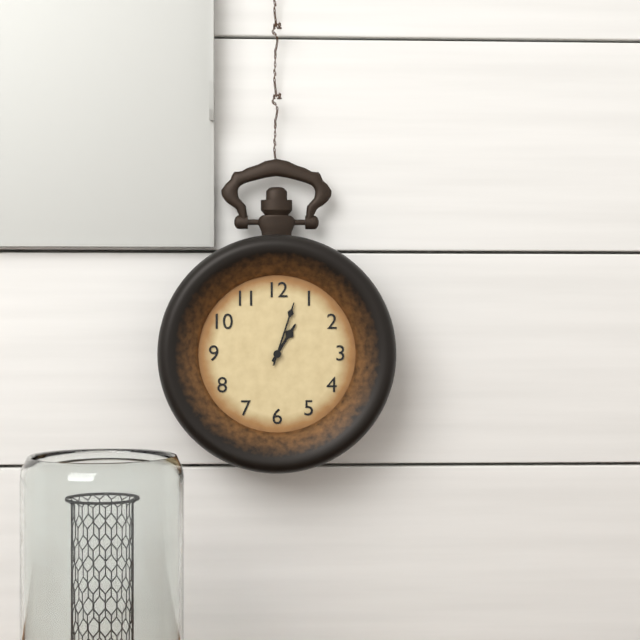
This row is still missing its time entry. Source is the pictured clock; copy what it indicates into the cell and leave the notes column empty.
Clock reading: 1:03
